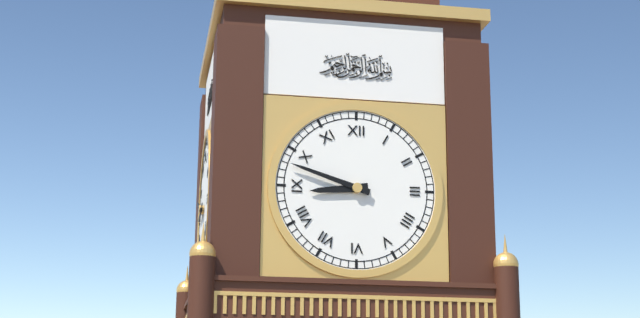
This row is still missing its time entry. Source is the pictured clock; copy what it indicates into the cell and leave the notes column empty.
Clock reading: 8:48
